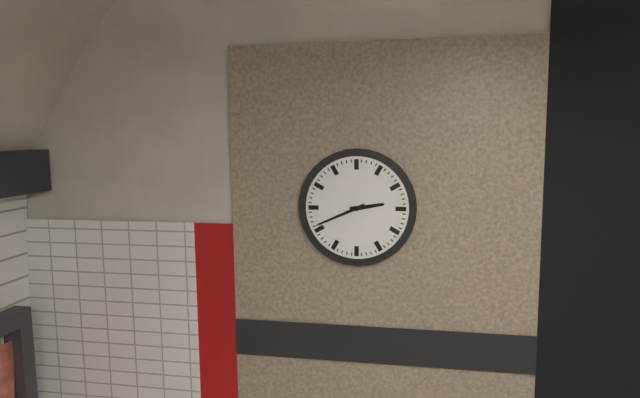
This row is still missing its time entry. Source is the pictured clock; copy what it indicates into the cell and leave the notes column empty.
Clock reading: 2:41
